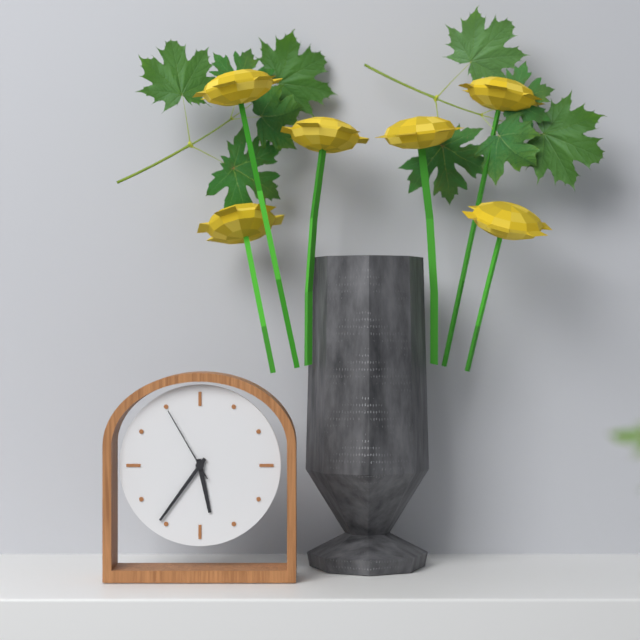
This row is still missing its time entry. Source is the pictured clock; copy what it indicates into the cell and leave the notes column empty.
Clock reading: 5:36:55
